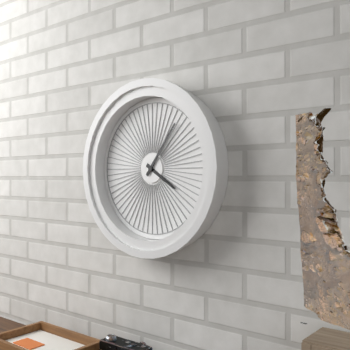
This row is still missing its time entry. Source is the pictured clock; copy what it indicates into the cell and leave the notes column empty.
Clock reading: 4:06
